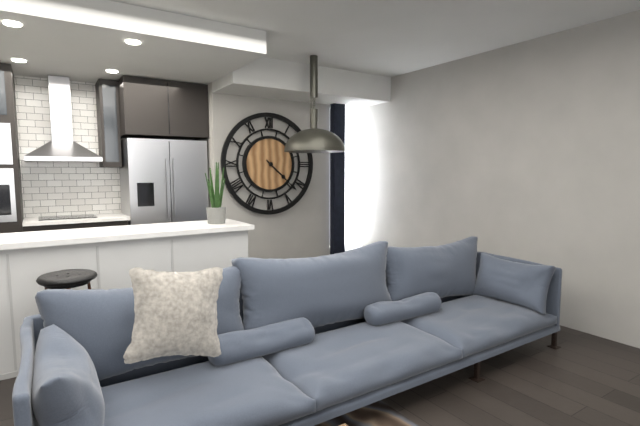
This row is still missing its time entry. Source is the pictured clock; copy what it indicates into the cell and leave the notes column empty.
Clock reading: 4:22
